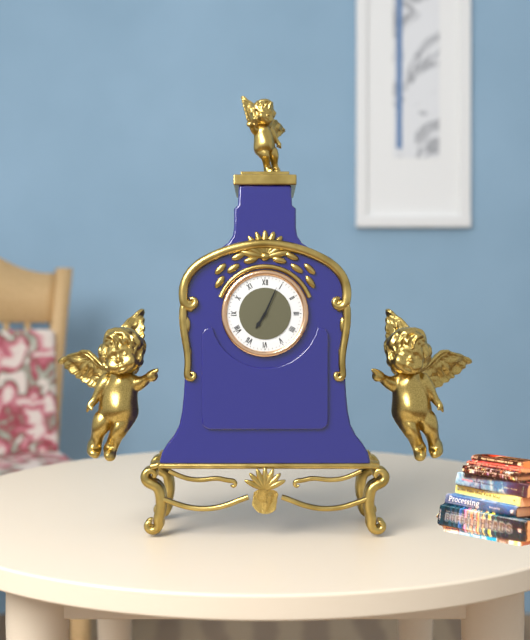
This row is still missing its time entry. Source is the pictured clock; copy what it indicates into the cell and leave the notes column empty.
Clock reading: 7:04
